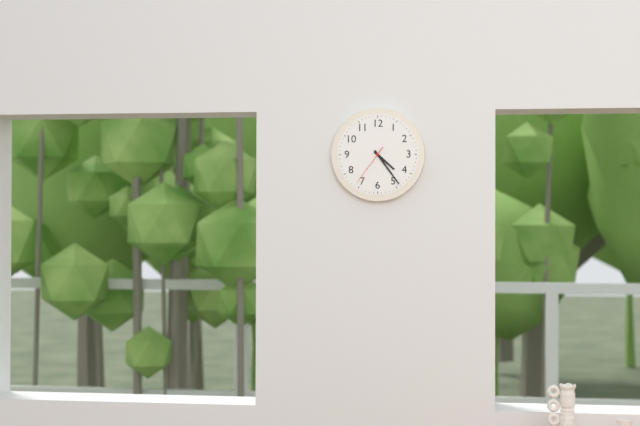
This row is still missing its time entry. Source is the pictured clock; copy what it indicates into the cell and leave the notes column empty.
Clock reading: 4:24
